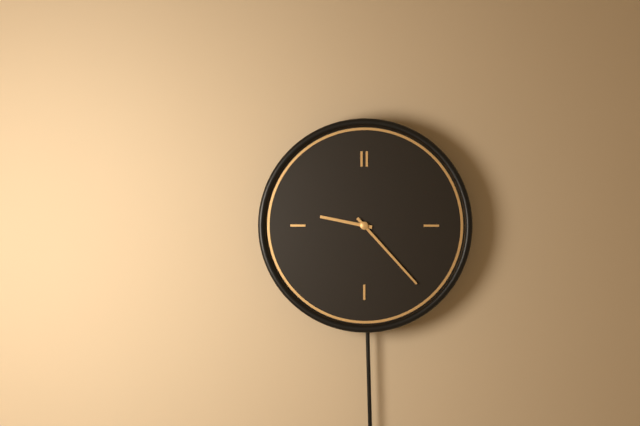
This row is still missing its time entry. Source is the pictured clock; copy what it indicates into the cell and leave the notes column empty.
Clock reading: 9:23
